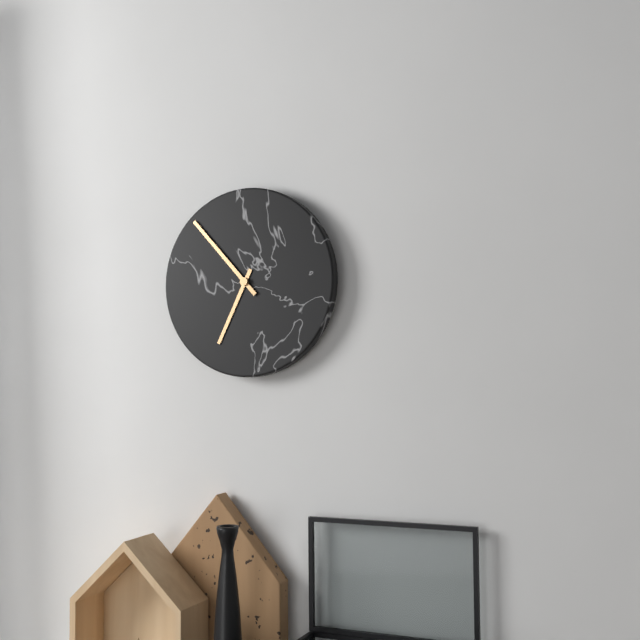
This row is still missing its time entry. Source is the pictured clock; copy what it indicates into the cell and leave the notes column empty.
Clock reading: 6:53
